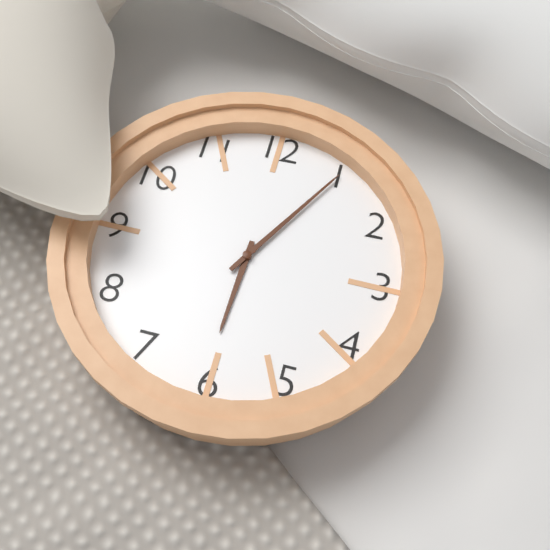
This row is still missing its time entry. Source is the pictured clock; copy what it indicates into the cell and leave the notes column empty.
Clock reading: 6:05
